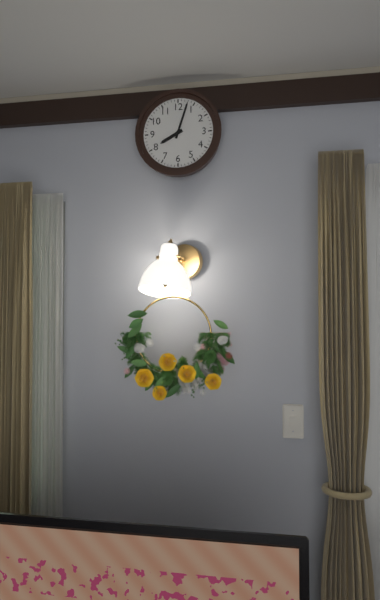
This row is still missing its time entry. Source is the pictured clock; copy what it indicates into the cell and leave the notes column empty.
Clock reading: 8:03
